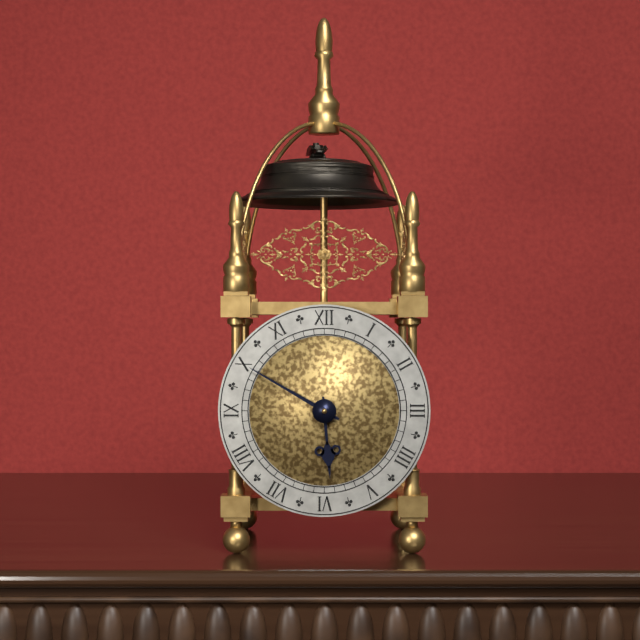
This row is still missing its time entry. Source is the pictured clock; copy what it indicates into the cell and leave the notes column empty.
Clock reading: 5:50
